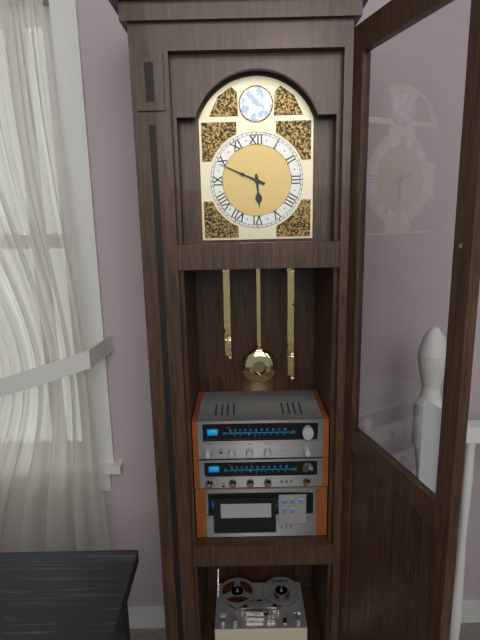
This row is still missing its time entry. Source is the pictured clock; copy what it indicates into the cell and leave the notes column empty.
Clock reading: 5:49
